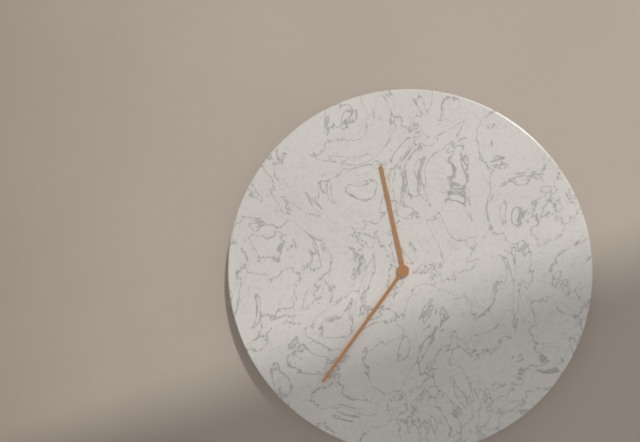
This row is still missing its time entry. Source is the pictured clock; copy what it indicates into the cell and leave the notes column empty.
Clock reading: 11:36
